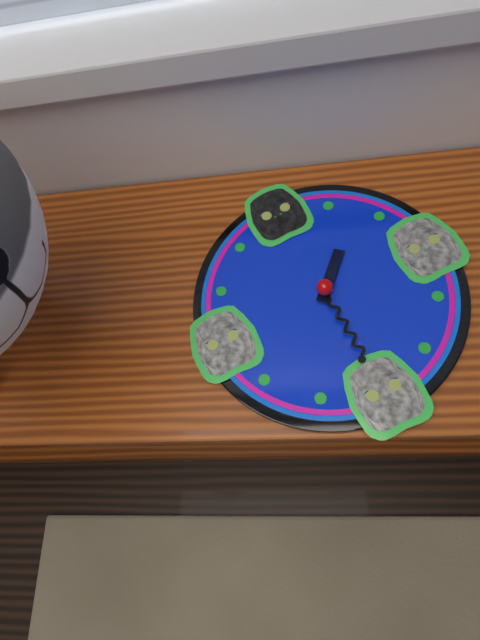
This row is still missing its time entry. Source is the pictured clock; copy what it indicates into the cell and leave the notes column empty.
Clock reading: 1:30
